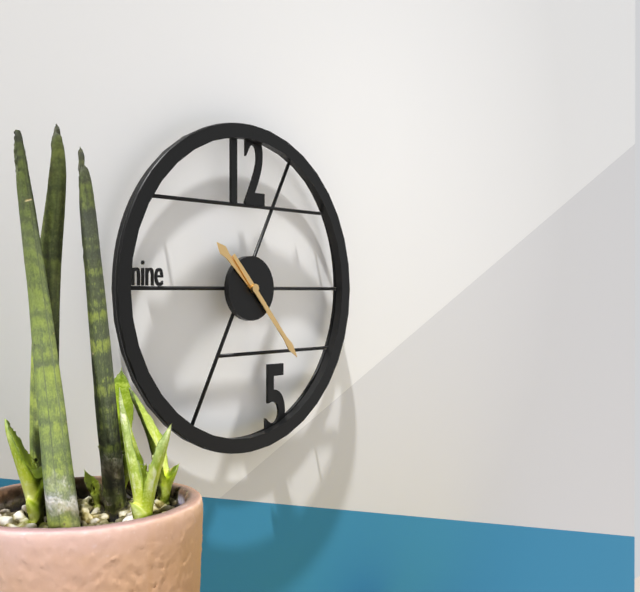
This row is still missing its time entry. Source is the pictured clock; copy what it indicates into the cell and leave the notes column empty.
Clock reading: 10:23
